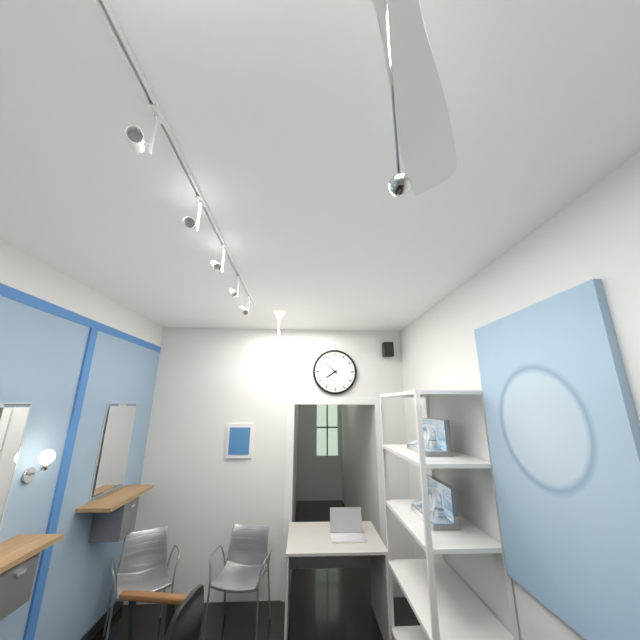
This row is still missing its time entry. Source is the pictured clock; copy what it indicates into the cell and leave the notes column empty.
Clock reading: 7:52
